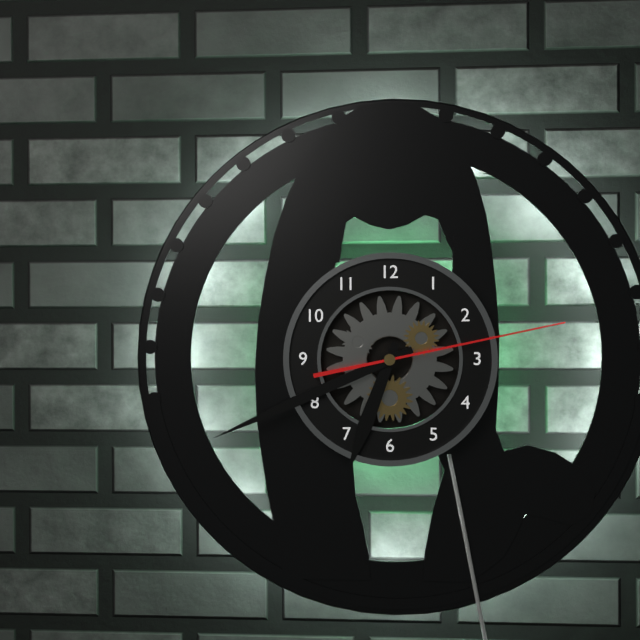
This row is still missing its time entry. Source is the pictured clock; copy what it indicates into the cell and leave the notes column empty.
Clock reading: 6:41:13
